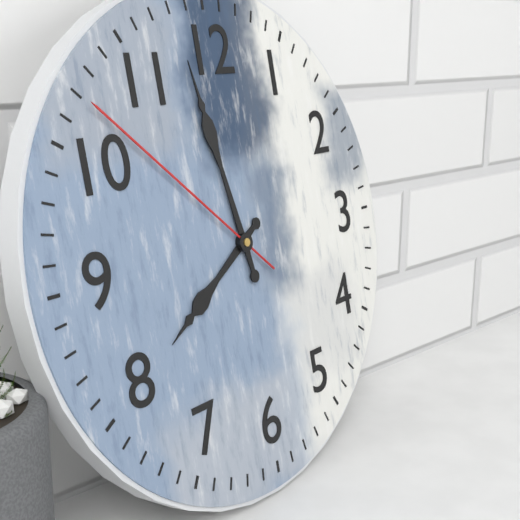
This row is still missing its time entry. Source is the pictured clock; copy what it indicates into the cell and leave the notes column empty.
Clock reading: 7:58:52
